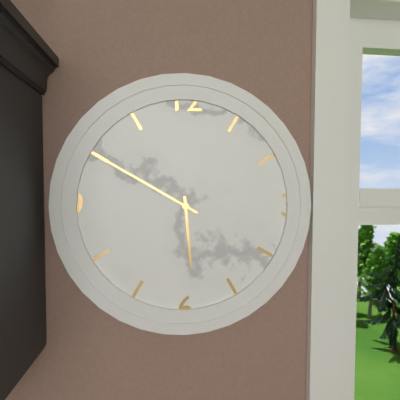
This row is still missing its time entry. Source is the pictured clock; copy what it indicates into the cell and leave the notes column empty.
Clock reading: 5:50
